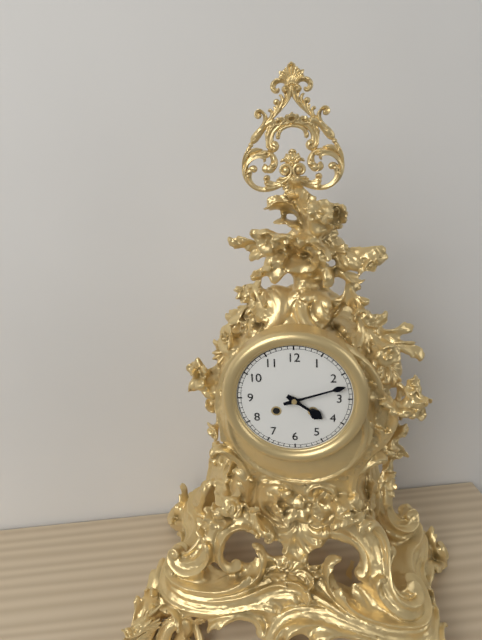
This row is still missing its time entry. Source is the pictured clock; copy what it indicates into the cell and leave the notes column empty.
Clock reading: 4:12
